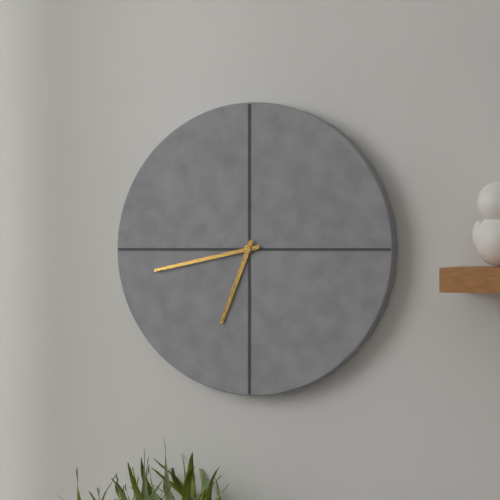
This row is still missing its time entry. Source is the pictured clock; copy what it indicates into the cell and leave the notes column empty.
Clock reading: 6:43
